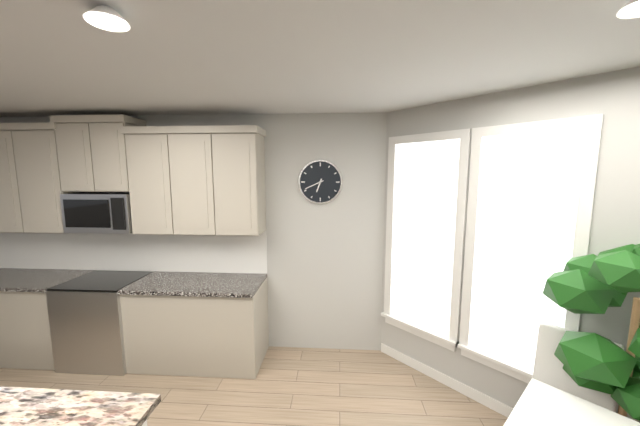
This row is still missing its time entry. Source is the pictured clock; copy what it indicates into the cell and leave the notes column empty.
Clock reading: 6:41
